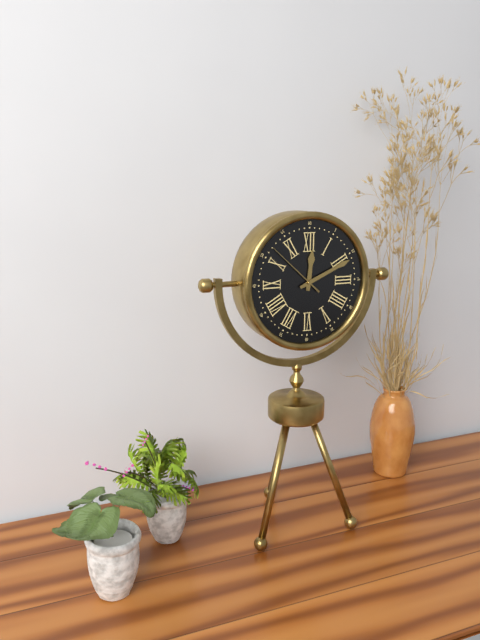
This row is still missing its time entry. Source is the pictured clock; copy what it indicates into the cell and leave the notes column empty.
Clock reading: 12:11:52
